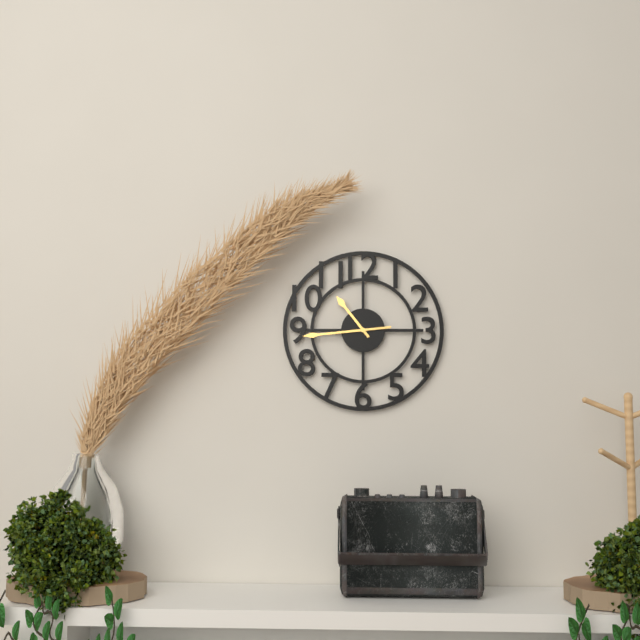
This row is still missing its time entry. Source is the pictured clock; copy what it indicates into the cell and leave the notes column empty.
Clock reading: 10:44
